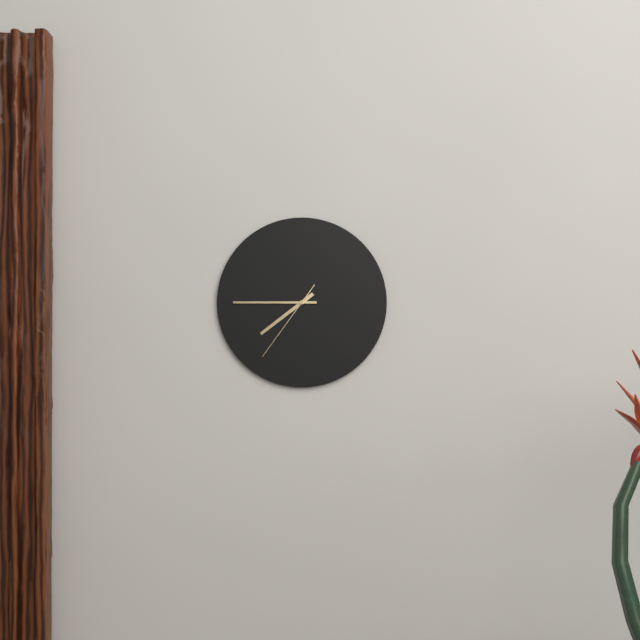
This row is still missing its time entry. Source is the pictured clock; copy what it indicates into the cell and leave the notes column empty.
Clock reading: 7:45:36
